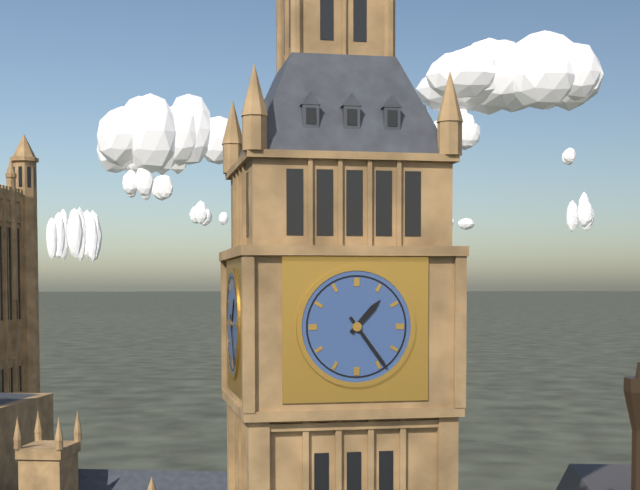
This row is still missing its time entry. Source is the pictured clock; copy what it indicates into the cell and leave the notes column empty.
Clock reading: 1:24
